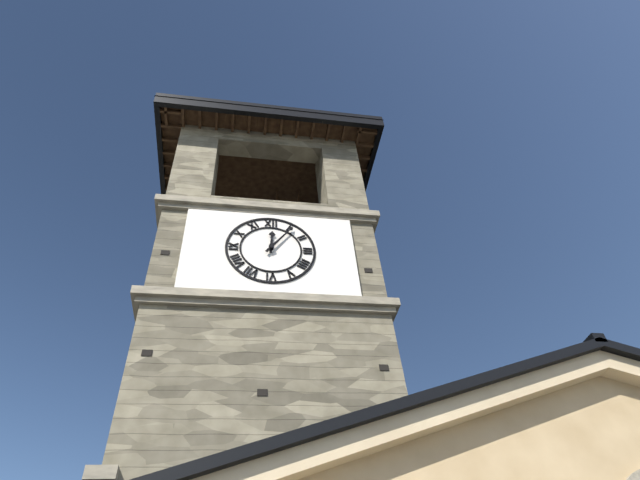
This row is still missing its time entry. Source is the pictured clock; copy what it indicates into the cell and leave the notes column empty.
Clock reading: 12:06
